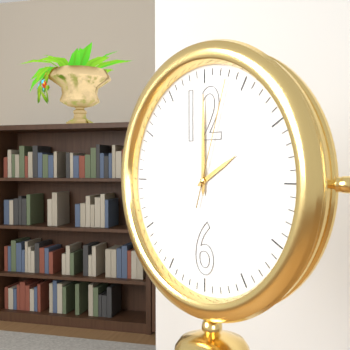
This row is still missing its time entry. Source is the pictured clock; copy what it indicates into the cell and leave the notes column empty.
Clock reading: 2:00:03
